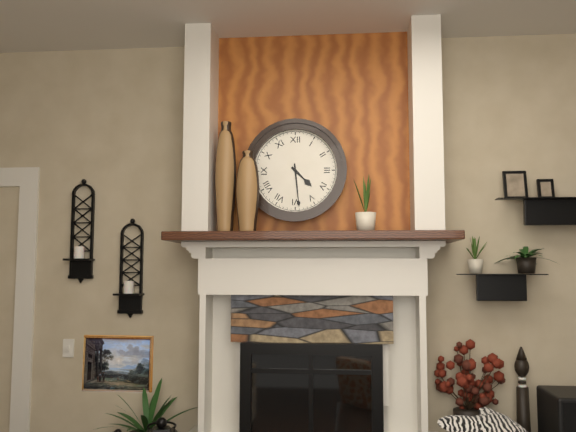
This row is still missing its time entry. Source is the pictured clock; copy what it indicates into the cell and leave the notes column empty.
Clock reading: 4:29
